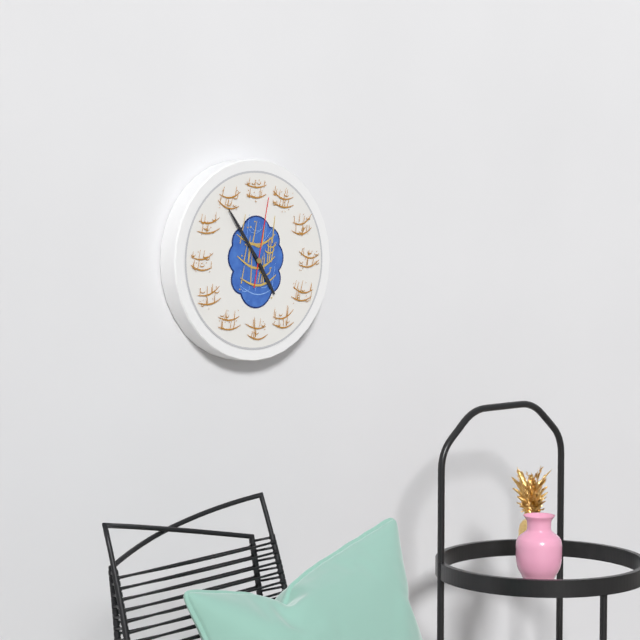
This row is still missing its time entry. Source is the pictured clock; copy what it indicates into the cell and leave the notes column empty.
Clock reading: 4:54:02
